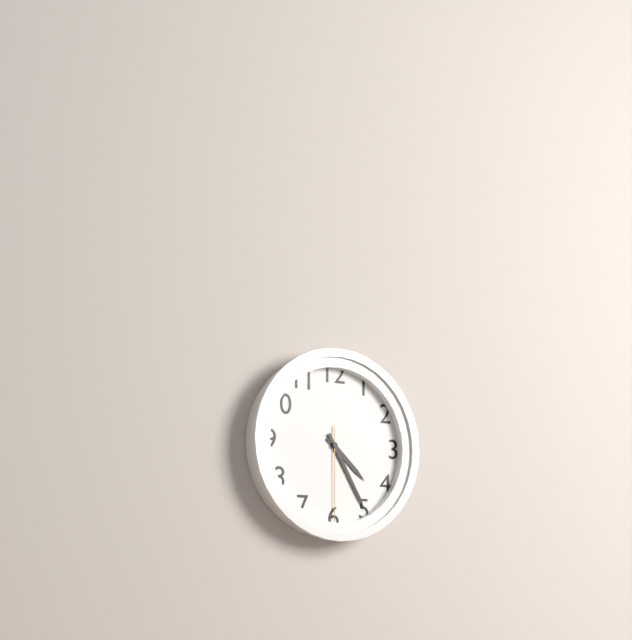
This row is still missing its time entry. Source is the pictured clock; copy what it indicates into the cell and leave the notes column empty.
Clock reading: 4:25:30
